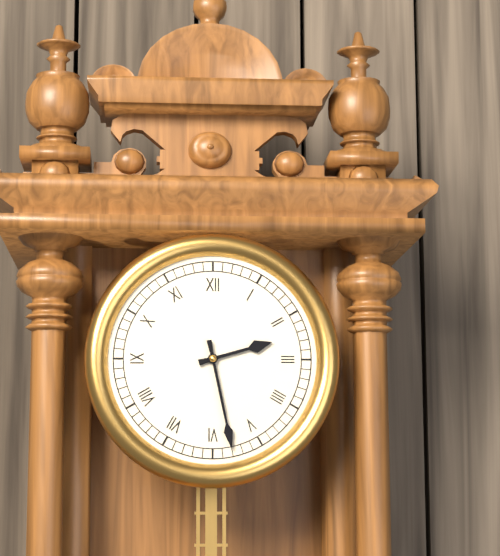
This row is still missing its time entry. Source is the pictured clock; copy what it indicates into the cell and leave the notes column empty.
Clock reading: 2:28
